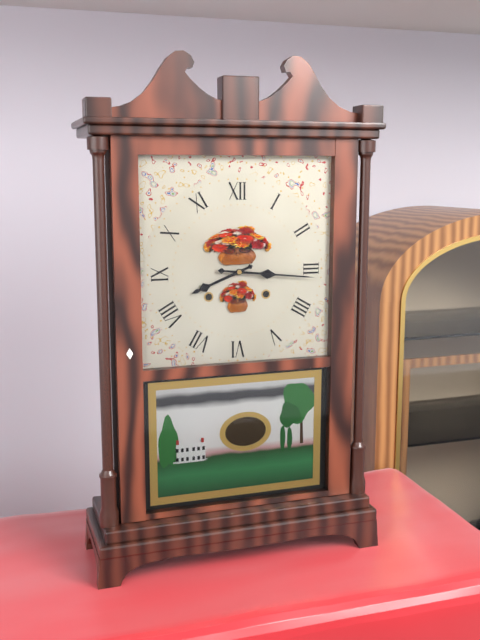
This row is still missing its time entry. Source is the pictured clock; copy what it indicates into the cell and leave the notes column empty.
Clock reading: 8:16
